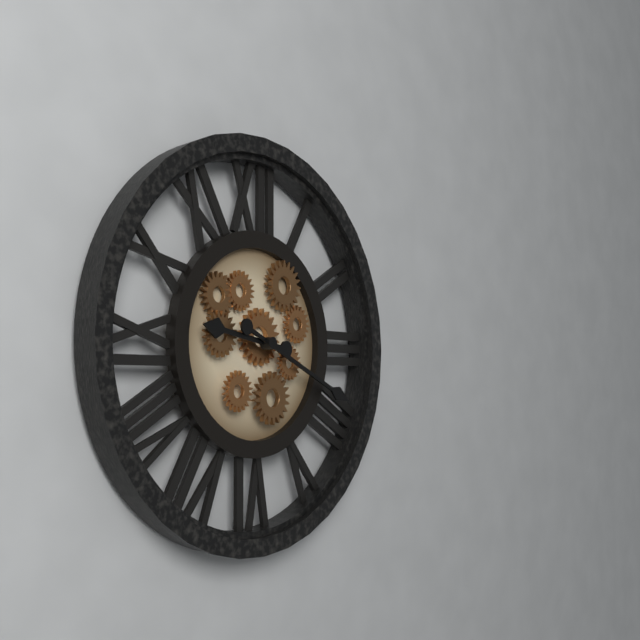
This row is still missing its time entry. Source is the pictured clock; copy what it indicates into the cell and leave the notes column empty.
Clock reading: 9:19
